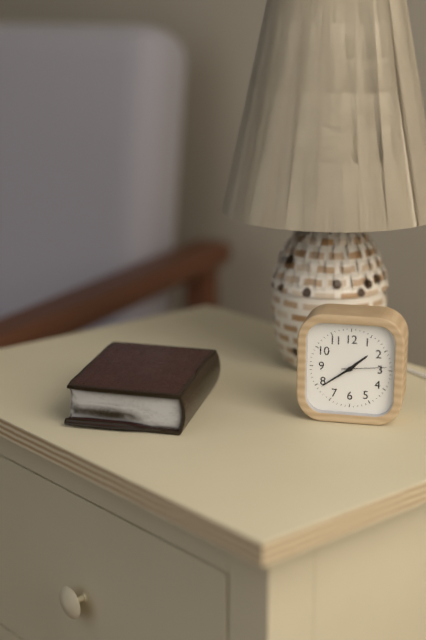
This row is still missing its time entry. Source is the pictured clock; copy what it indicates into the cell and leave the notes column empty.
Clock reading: 1:39
